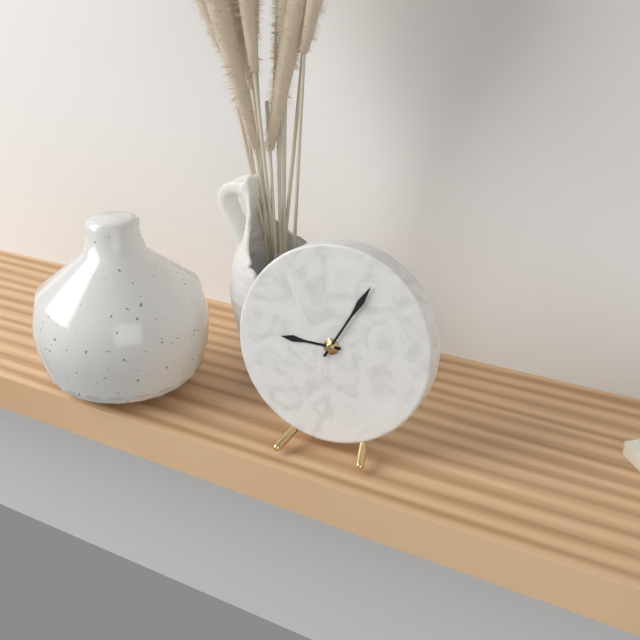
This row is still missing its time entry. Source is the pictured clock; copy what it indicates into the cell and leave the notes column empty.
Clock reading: 9:05
